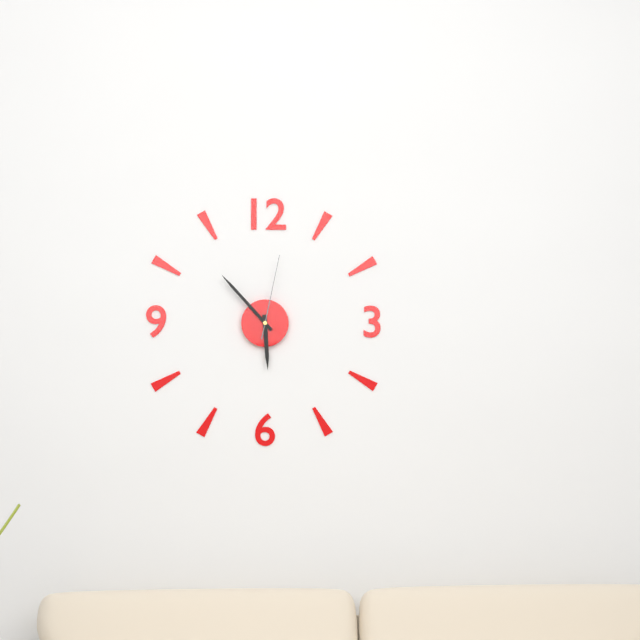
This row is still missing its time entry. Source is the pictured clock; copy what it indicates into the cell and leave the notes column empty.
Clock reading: 5:53:02
